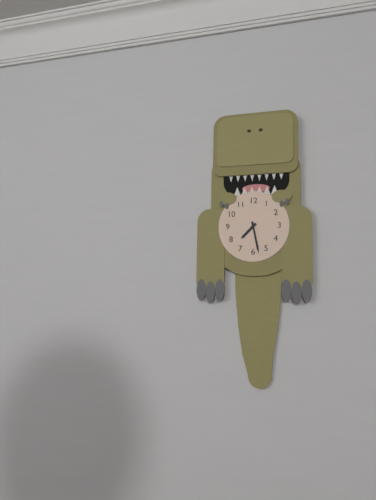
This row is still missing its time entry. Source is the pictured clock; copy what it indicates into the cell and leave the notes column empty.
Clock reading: 7:28
